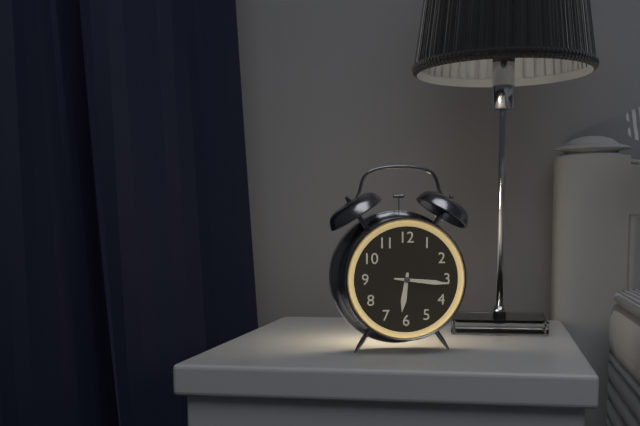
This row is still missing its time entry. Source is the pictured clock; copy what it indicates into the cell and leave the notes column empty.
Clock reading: 6:16
